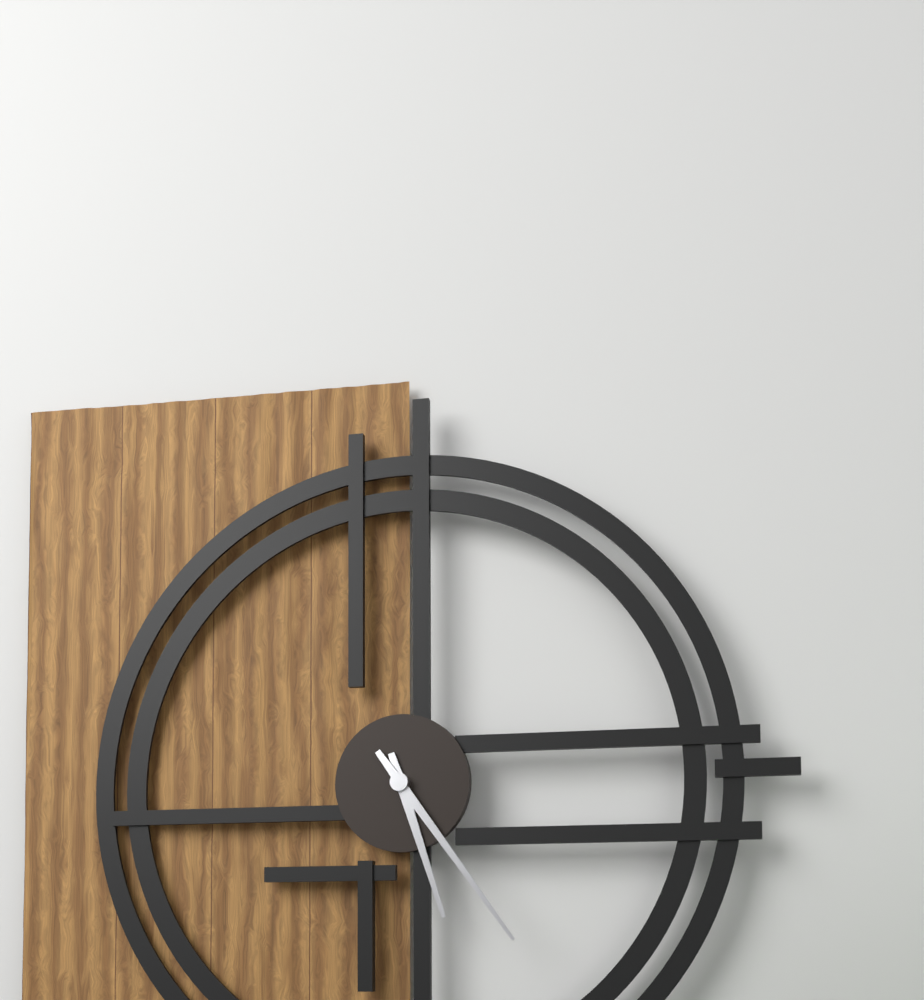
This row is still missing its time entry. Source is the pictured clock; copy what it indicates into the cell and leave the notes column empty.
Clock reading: 5:24
